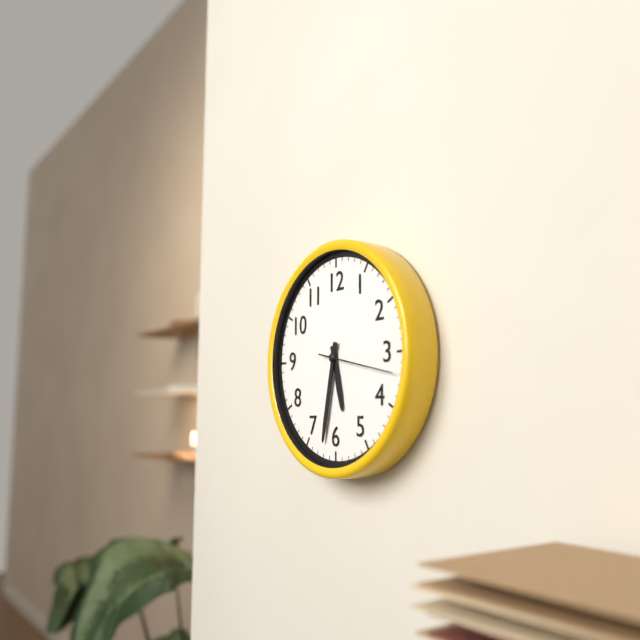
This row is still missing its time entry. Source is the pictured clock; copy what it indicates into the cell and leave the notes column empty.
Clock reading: 5:32
